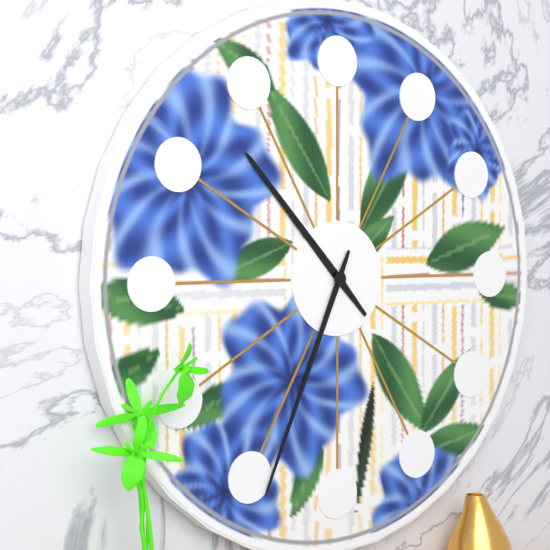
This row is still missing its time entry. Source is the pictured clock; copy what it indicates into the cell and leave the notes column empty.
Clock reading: 10:34
